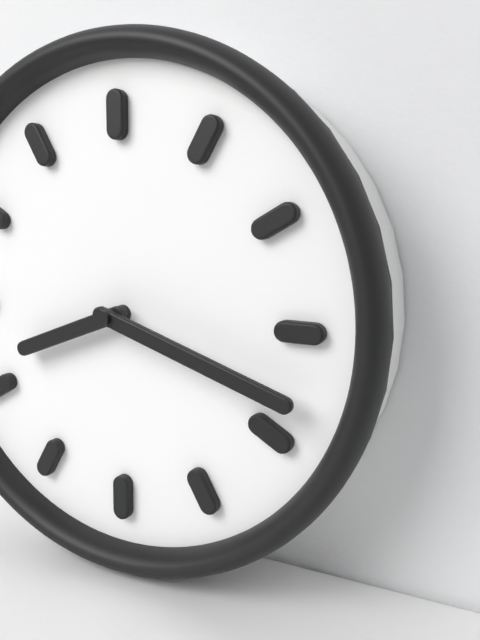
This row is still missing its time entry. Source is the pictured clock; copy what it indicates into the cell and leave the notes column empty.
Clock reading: 8:18
